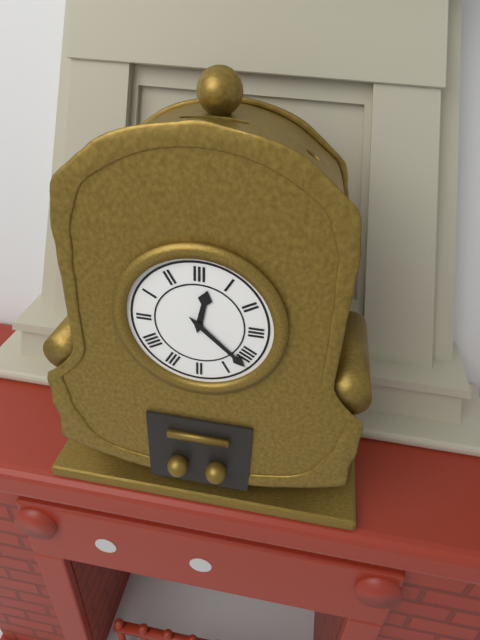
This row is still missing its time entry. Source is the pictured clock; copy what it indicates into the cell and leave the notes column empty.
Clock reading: 12:22
